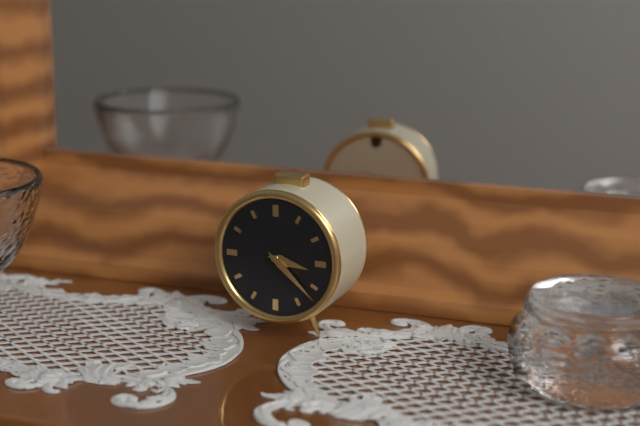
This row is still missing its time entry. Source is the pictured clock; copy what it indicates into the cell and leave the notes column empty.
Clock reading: 3:22
